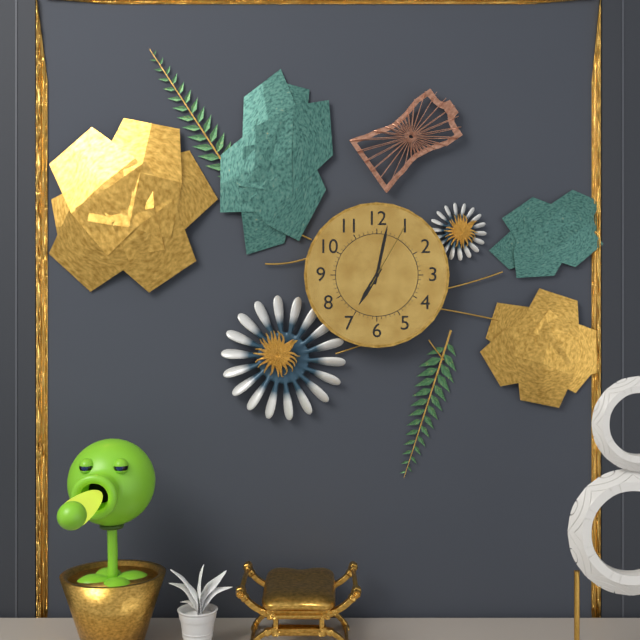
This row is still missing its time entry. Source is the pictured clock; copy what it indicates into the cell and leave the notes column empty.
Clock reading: 7:02:05
